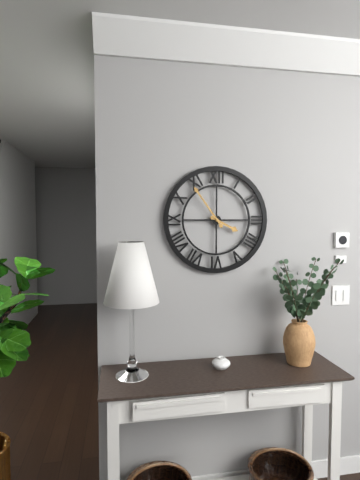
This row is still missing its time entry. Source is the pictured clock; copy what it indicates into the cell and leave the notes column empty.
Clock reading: 3:54
